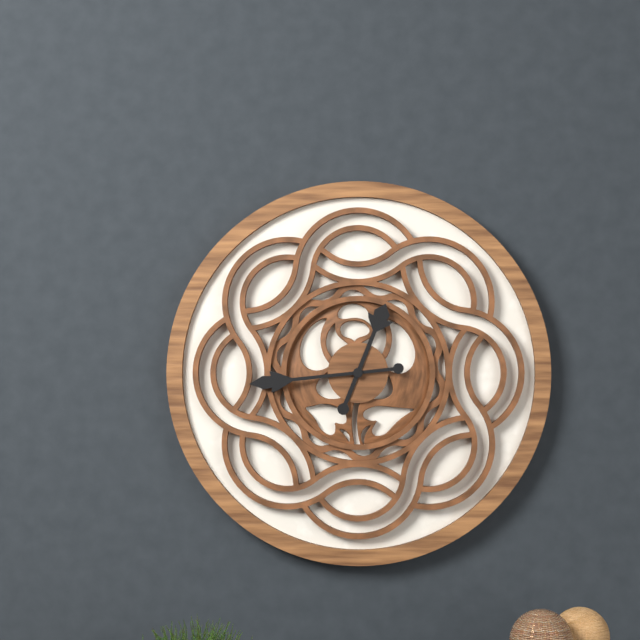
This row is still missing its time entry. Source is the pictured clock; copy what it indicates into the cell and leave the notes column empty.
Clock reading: 12:44
